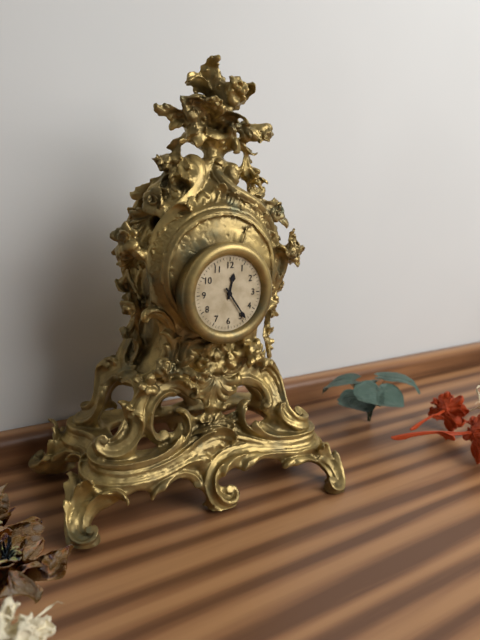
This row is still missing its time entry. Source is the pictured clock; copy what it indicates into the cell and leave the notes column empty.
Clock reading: 12:24
